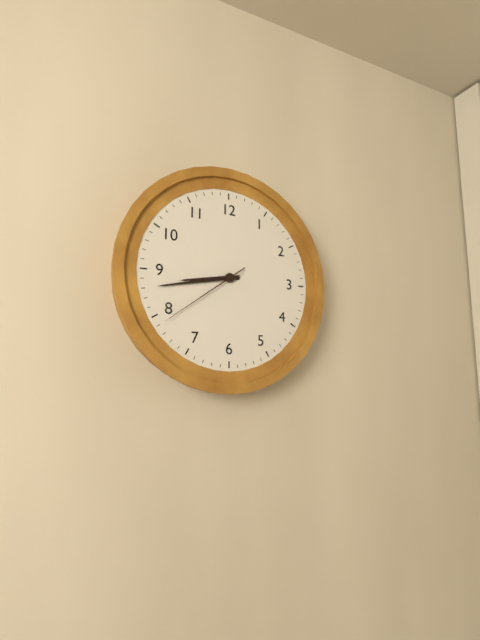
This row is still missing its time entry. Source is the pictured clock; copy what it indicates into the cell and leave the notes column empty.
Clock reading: 8:43:39
